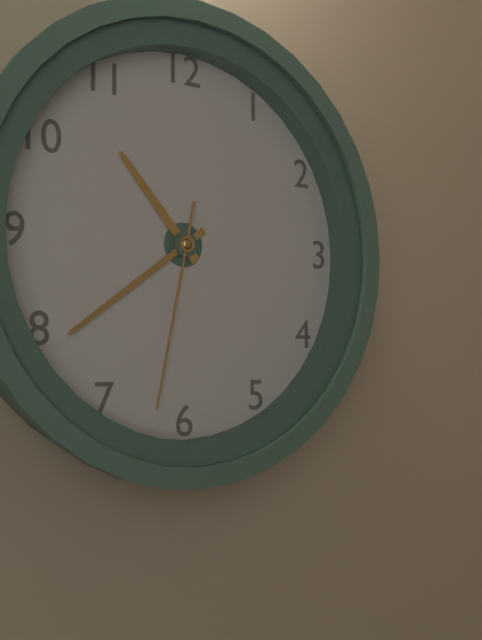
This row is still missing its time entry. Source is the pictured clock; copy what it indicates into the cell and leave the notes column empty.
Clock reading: 10:39:32
